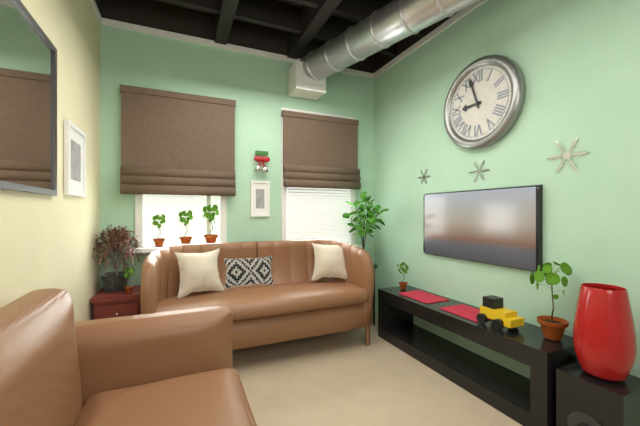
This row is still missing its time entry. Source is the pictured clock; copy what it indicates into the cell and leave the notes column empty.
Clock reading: 8:57
